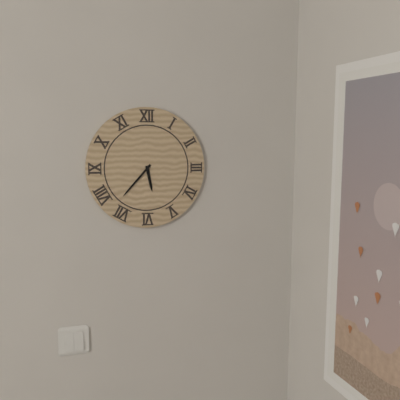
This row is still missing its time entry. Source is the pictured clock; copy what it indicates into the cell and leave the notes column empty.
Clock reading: 5:37
